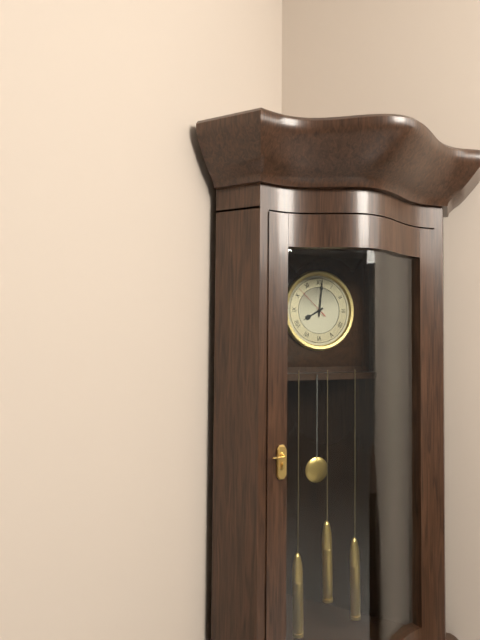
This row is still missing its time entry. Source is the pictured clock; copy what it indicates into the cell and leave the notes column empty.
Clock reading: 8:01
